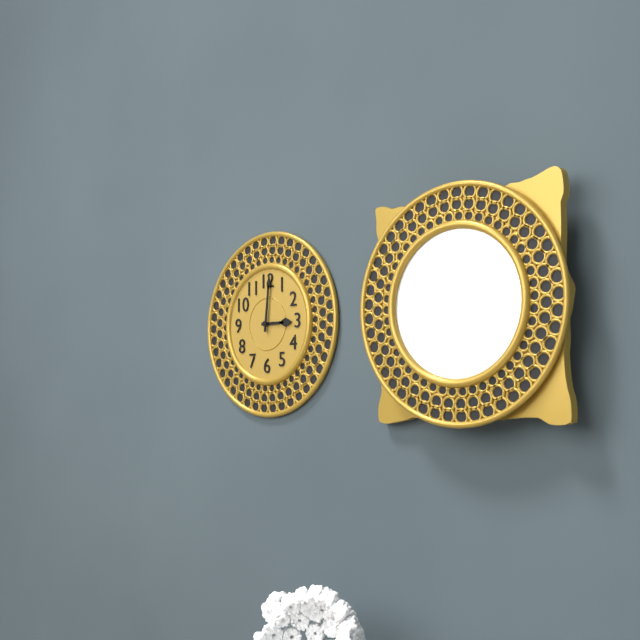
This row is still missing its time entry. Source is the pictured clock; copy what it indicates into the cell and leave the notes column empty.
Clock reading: 3:01
